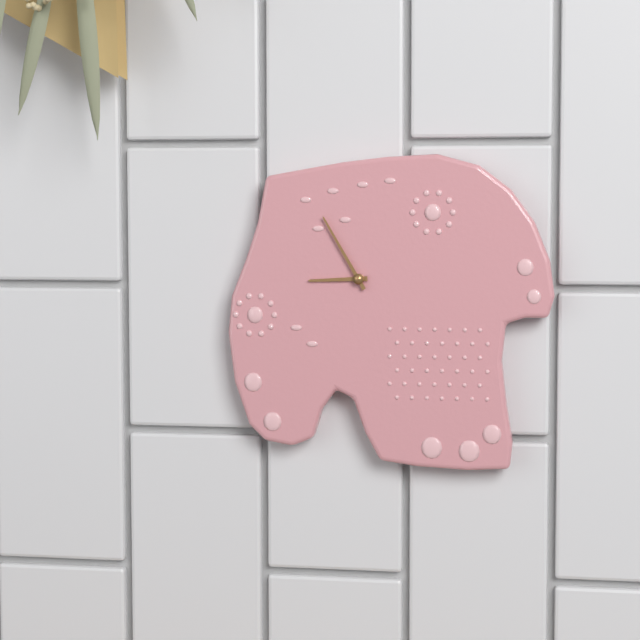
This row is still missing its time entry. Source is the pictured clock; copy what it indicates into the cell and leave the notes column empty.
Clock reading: 8:55
